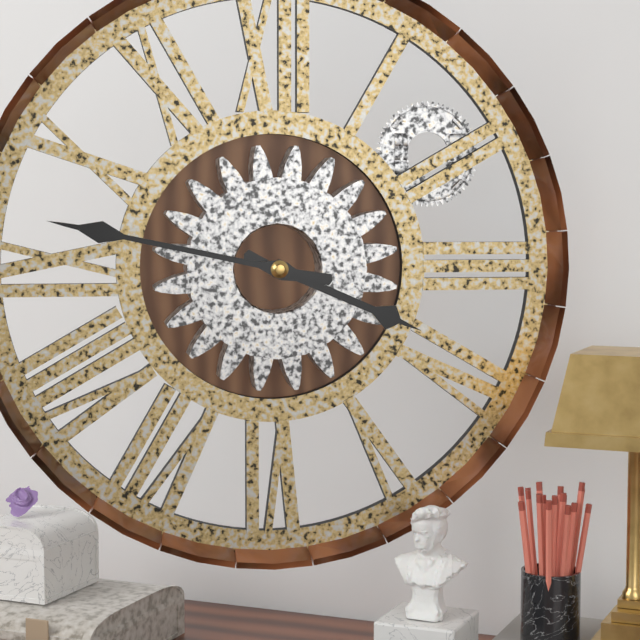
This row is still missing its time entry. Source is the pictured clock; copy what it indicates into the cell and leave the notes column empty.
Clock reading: 3:47
